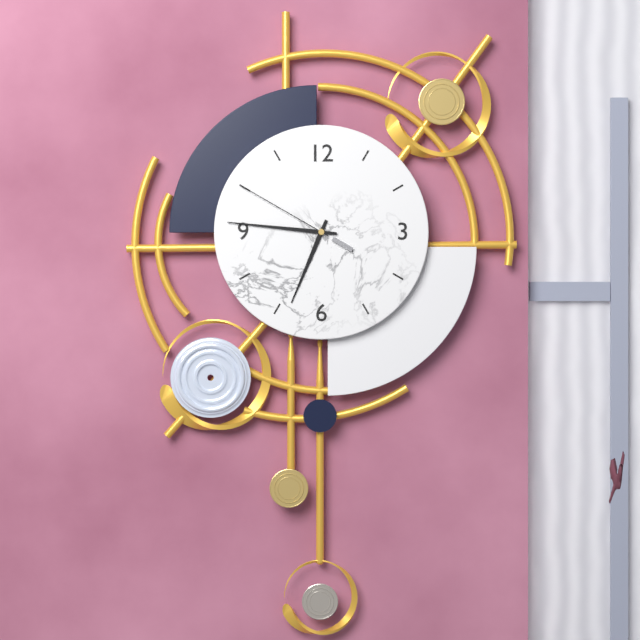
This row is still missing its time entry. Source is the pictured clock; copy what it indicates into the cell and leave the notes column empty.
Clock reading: 6:46:50
